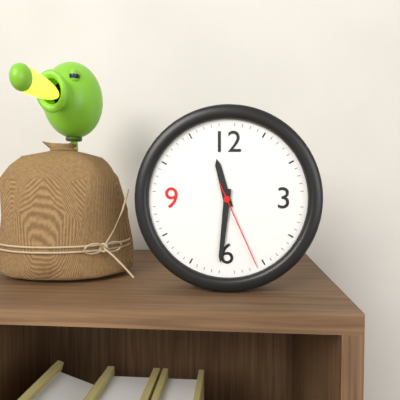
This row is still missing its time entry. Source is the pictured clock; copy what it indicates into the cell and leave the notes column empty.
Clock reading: 11:31:26
